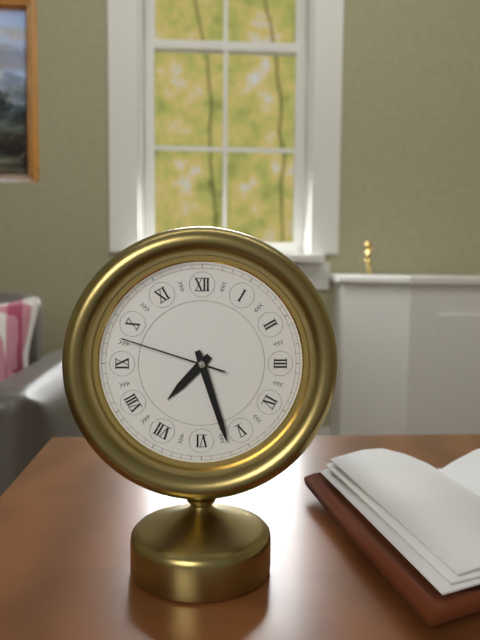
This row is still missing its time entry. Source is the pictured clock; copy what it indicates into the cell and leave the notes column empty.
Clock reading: 7:27:48
